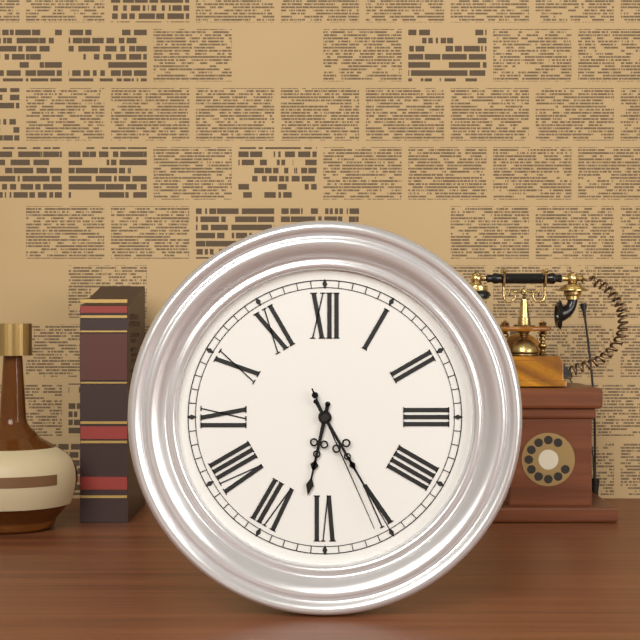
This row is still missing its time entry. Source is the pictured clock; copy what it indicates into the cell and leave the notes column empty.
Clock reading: 6:25:26
